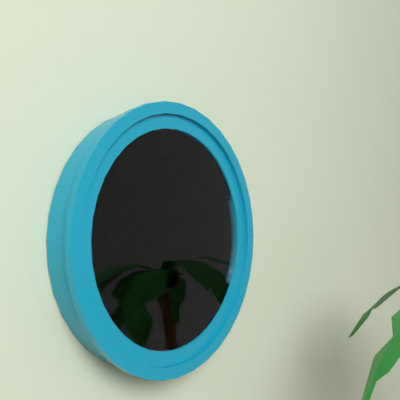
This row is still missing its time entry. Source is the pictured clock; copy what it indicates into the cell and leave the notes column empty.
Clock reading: 1:50:06
